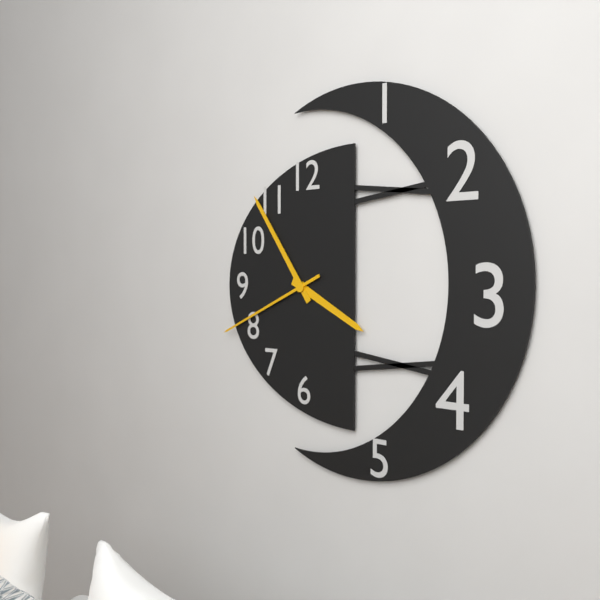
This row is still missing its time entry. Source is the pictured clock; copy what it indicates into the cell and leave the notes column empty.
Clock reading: 3:54:41
